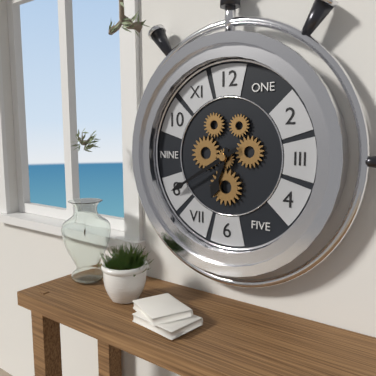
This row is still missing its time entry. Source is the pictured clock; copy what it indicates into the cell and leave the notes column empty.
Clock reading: 6:40
